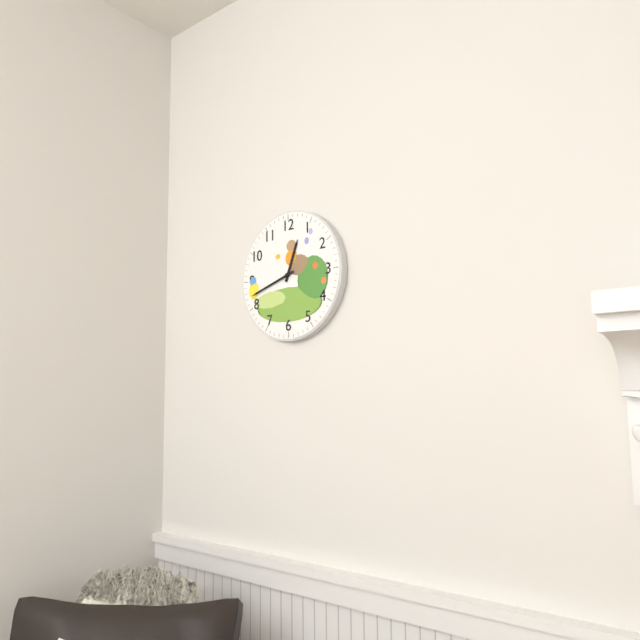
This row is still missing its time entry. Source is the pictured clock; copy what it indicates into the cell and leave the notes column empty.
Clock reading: 12:42
